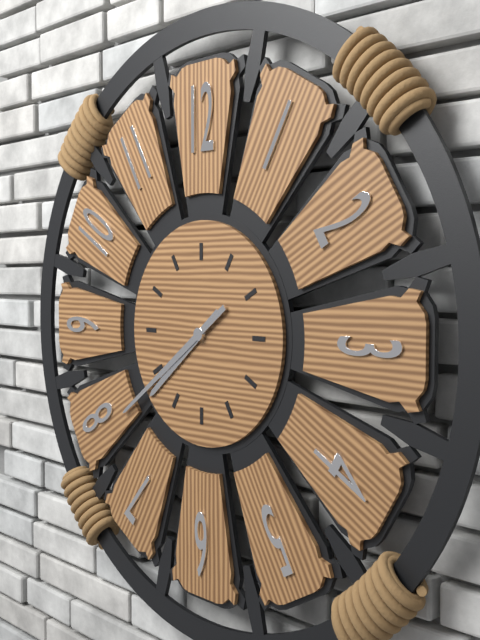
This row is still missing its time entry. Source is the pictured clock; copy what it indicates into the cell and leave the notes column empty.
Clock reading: 7:39
